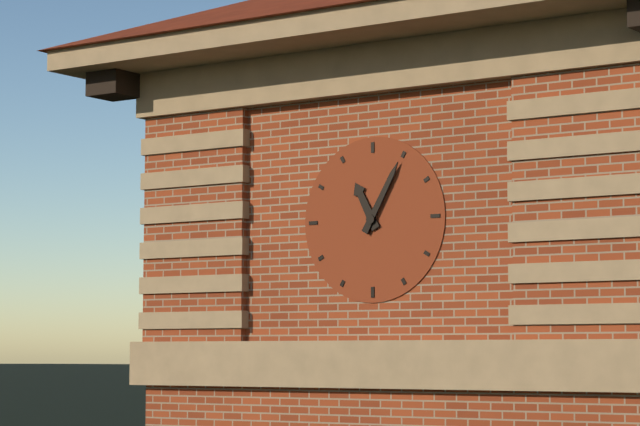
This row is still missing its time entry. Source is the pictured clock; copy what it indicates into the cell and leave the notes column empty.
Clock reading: 11:05
